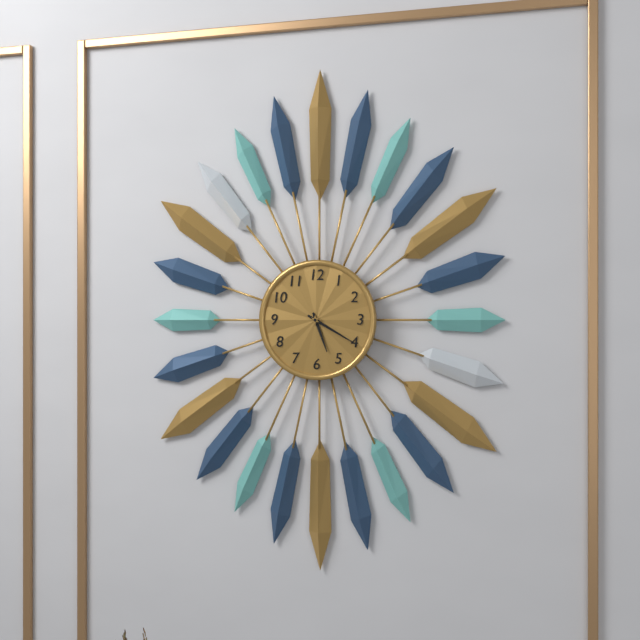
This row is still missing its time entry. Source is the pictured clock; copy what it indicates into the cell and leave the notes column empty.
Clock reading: 5:20
